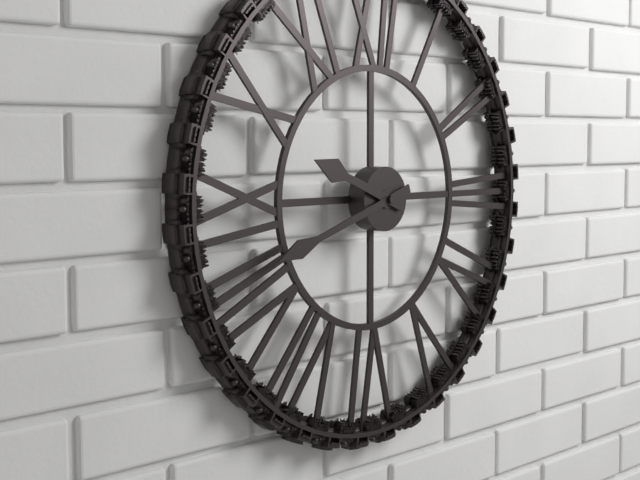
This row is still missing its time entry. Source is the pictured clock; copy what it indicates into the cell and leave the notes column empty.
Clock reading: 9:42
